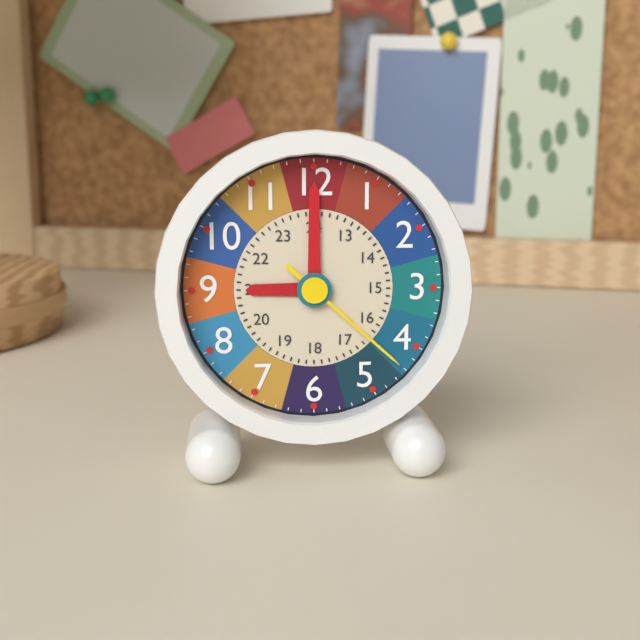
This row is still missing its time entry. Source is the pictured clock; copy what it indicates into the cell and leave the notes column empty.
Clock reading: 9:00:22
